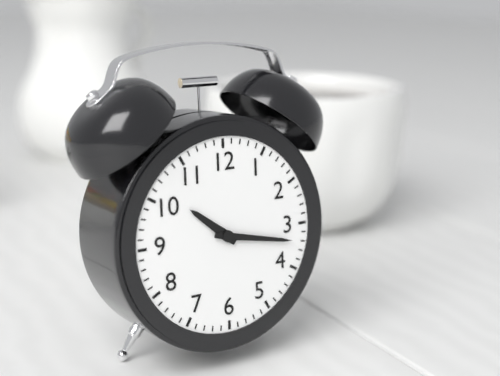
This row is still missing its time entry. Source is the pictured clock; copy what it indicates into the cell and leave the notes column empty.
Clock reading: 10:17
